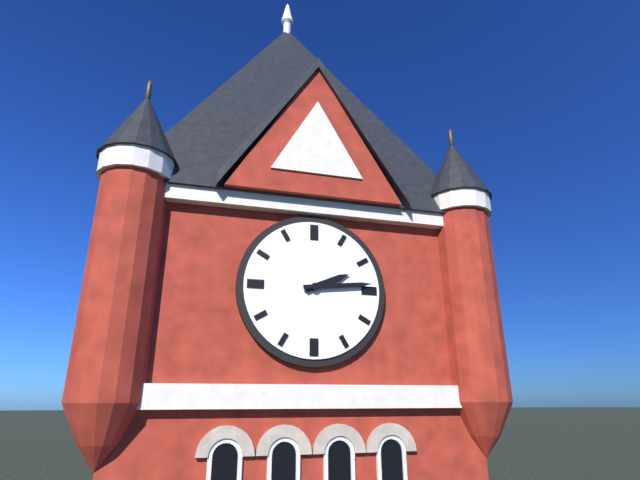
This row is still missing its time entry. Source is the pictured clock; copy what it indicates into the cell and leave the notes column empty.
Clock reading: 2:14
